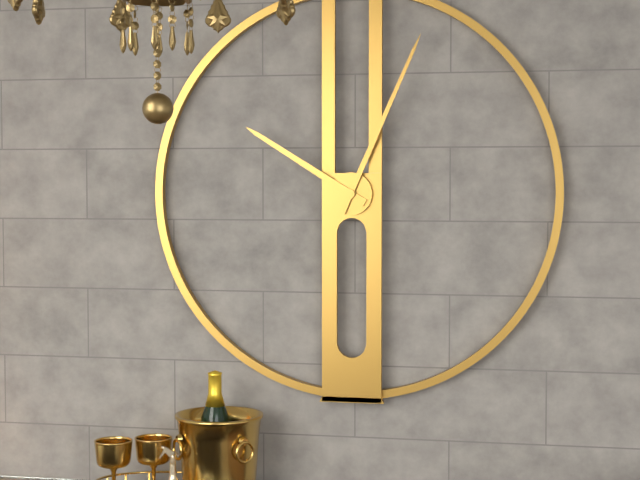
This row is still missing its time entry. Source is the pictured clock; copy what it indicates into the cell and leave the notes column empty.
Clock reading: 10:04
